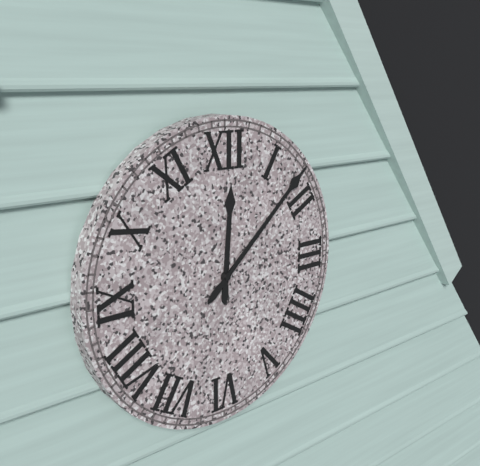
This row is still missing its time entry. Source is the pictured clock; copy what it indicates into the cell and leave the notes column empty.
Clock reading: 12:08
